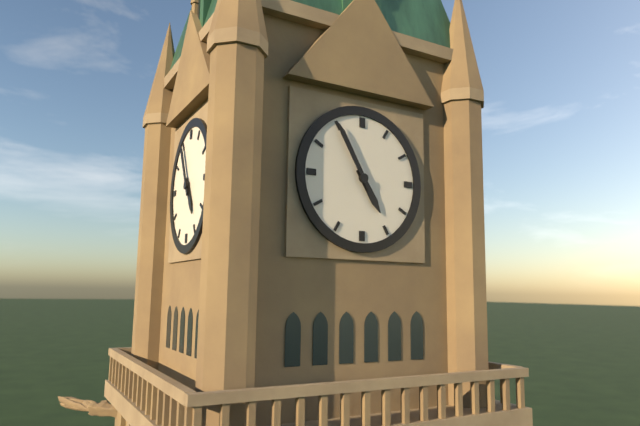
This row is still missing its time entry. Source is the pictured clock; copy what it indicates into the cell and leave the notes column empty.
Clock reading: 4:55
